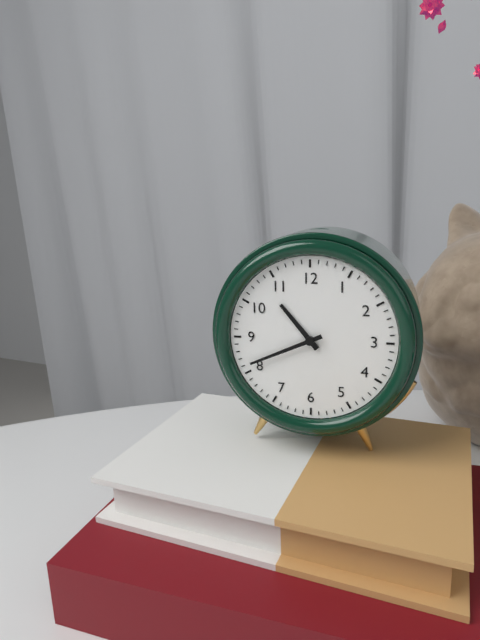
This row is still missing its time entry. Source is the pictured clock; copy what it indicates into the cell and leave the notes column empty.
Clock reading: 10:41
